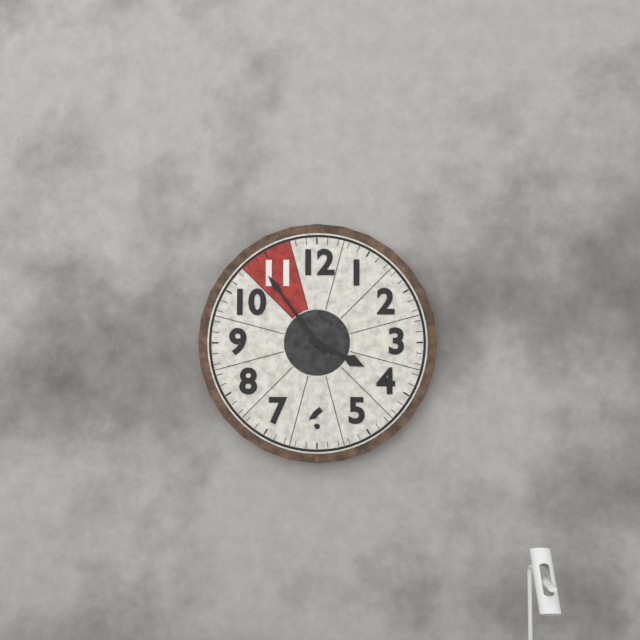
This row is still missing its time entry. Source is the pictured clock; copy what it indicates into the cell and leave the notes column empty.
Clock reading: 3:54
